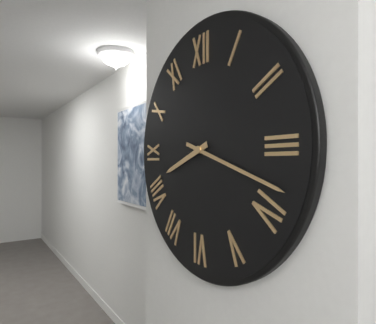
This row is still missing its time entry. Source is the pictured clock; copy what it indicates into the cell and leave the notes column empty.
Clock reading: 8:18
